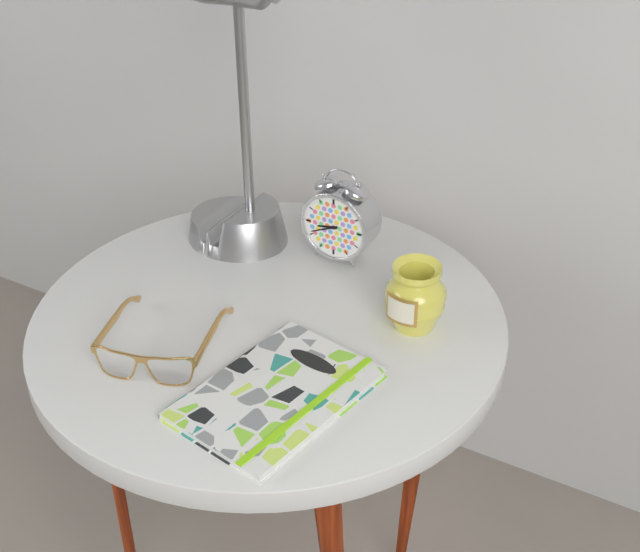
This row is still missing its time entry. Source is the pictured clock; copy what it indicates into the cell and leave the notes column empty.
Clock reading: 8:41
